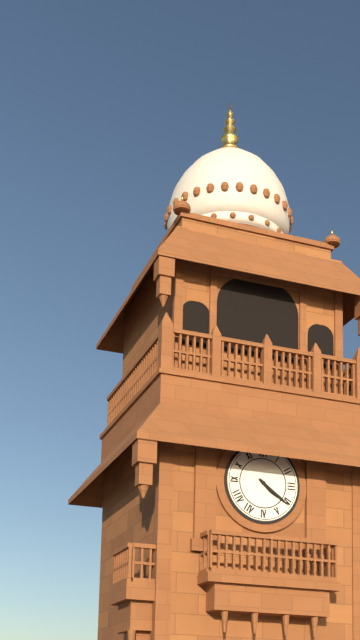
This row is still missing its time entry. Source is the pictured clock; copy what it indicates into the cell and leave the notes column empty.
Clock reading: 4:21
